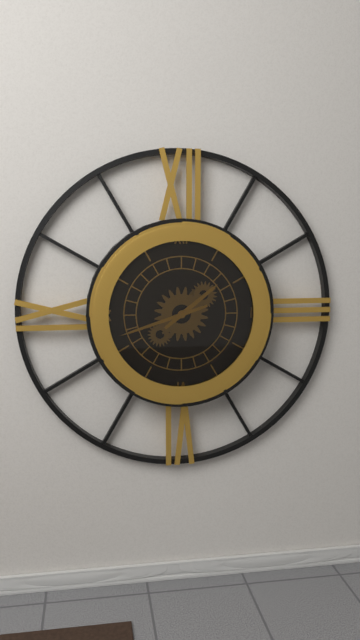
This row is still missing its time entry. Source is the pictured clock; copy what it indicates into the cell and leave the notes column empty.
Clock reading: 1:42
